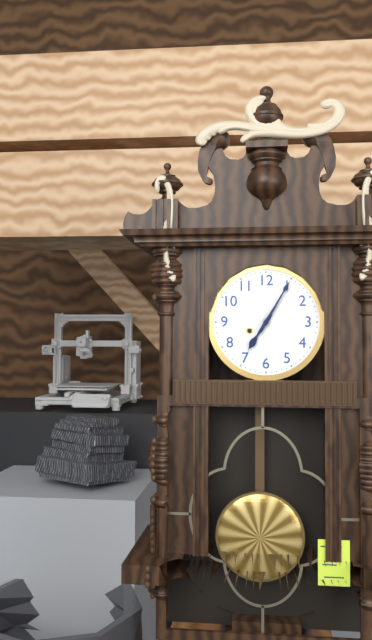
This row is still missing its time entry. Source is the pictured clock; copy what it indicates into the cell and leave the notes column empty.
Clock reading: 7:05
